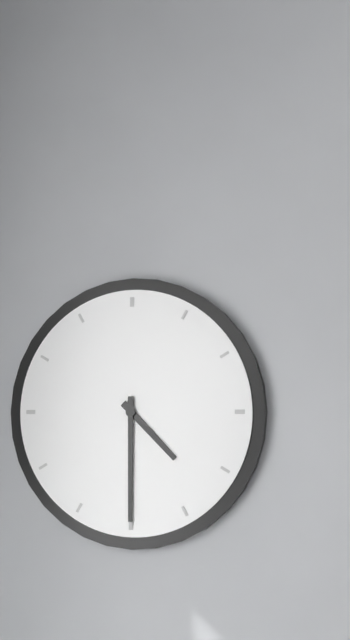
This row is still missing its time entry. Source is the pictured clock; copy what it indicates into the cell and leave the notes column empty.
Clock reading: 4:30
